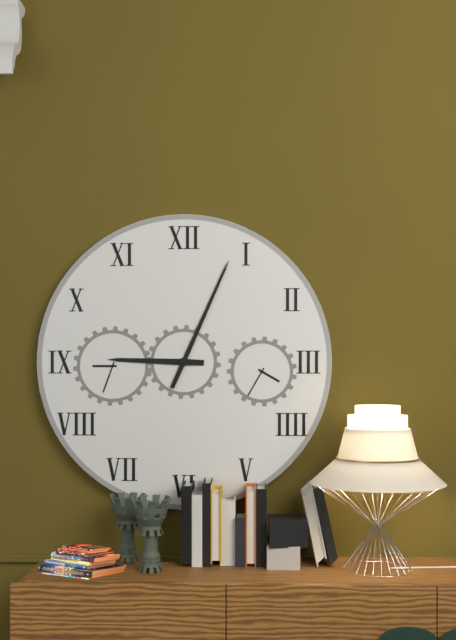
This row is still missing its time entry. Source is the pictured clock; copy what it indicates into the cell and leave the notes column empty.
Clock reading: 9:04
